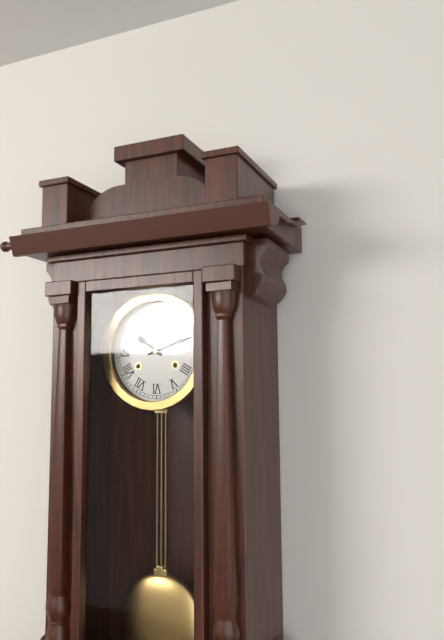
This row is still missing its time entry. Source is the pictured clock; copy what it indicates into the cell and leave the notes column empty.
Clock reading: 10:12
